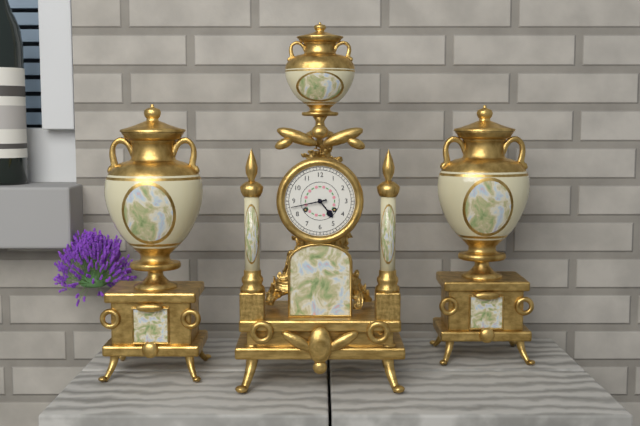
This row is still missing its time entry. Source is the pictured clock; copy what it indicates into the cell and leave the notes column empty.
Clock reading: 4:43
